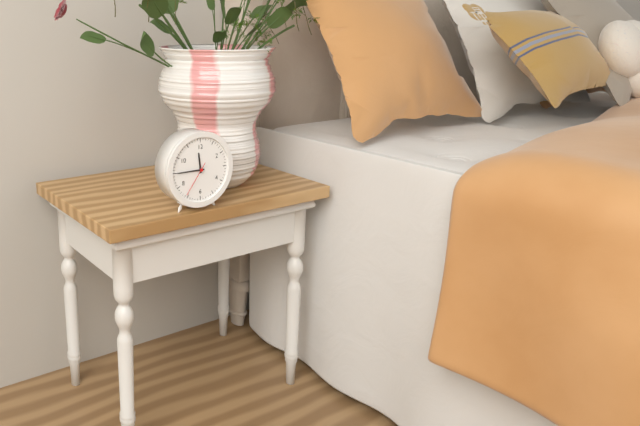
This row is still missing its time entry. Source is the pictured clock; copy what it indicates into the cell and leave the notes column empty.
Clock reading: 11:45
